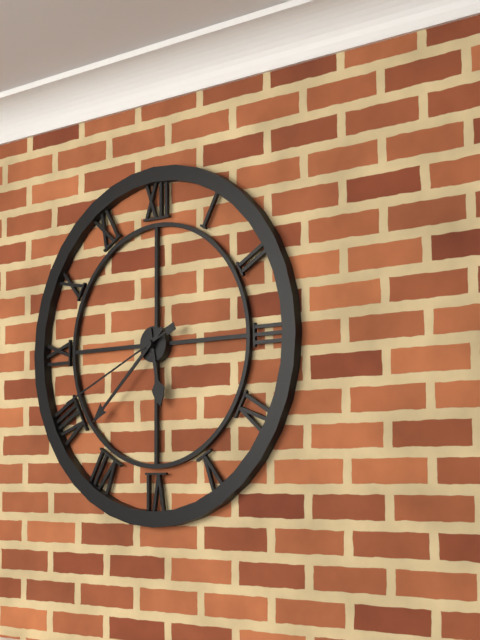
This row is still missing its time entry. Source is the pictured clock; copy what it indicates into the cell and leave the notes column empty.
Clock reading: 5:38:41
